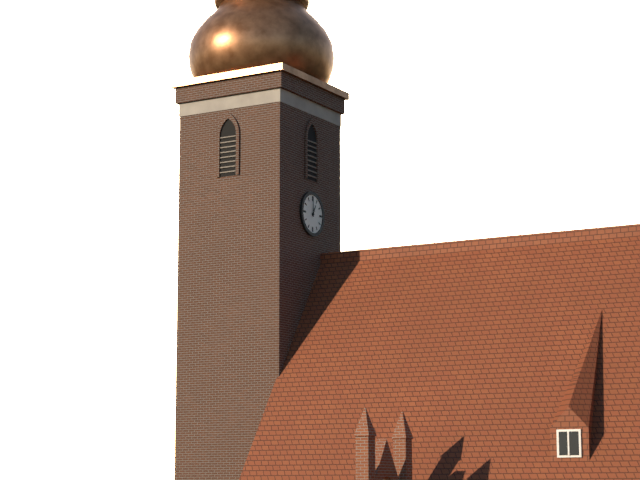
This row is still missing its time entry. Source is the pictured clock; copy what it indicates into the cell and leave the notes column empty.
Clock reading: 1:00
